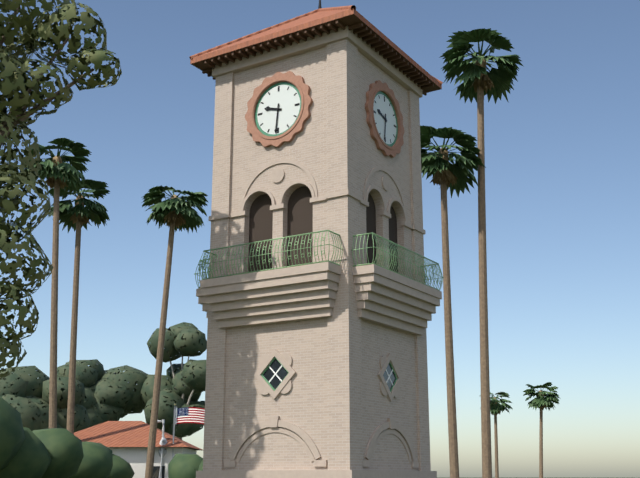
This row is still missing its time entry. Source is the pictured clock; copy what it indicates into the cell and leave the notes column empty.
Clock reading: 9:31
